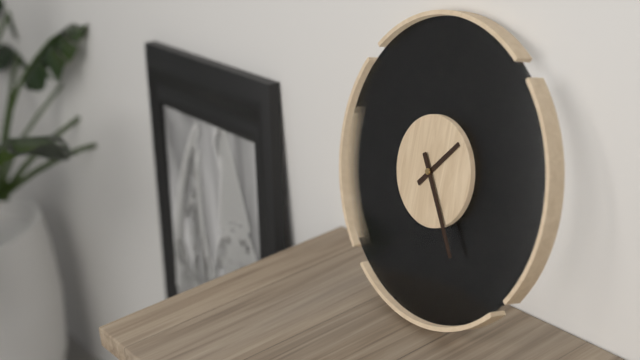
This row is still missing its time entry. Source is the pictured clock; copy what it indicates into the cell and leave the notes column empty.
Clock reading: 1:24
